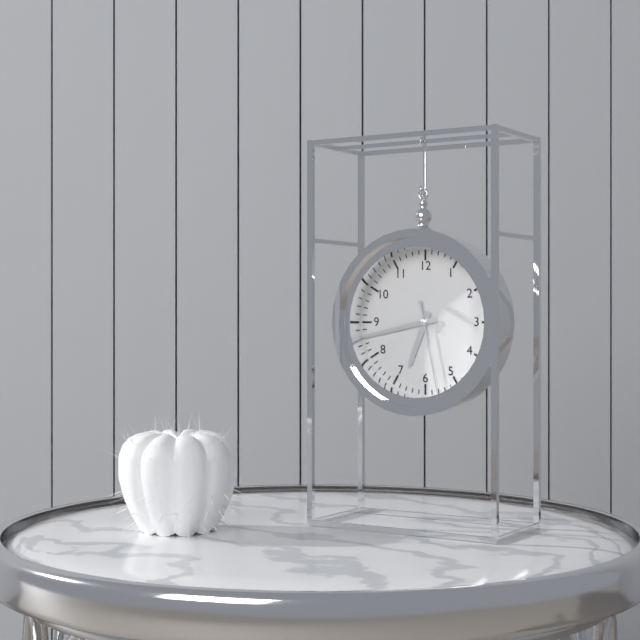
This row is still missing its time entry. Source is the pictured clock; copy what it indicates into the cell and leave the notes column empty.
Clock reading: 6:43:28
